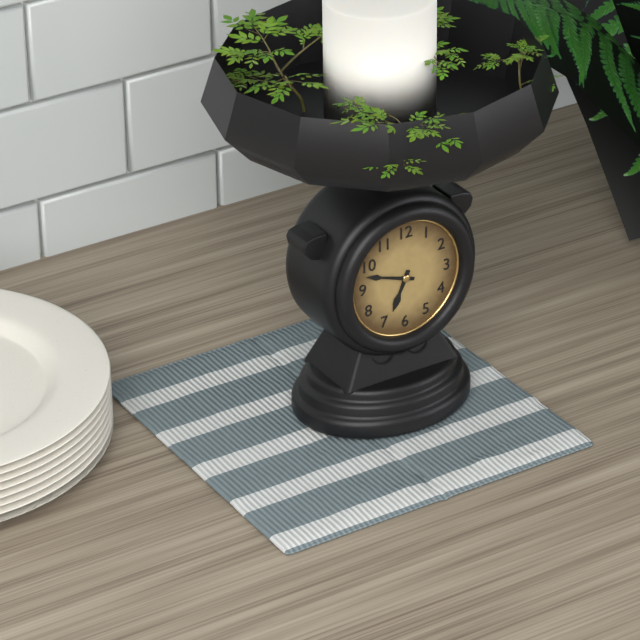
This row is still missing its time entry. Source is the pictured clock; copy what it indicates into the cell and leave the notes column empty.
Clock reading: 6:48
